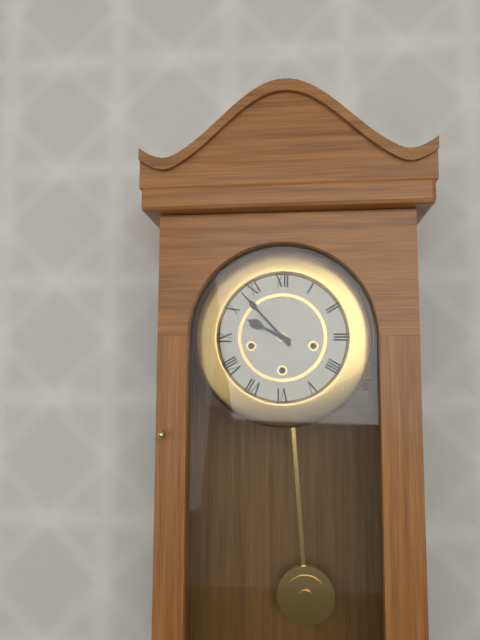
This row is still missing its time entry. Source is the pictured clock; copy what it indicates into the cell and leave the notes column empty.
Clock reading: 9:53
